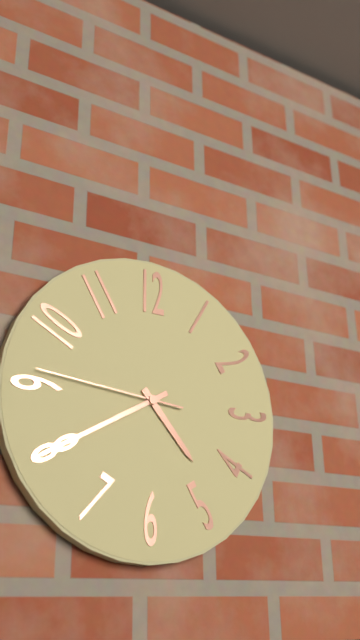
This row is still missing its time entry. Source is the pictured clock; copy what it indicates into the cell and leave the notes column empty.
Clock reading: 4:40:46
